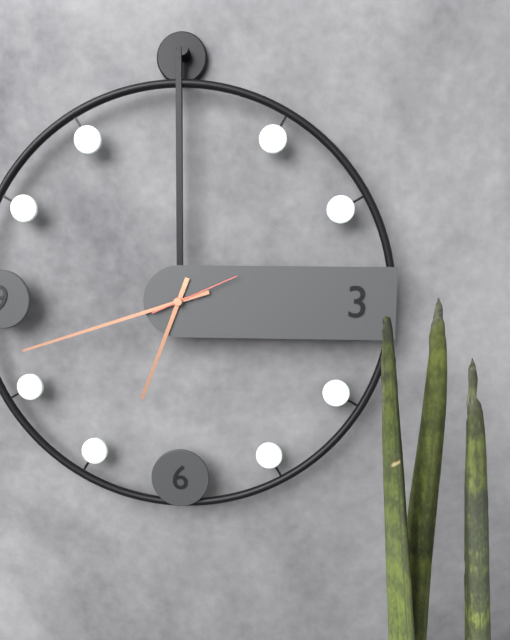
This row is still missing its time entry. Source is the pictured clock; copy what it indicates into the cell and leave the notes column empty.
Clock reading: 6:42:11
